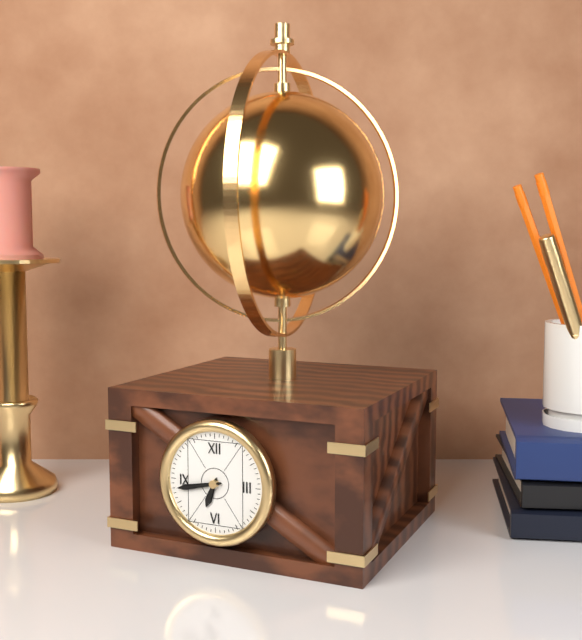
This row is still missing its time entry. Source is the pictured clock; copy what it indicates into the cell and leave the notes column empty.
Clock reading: 6:43
